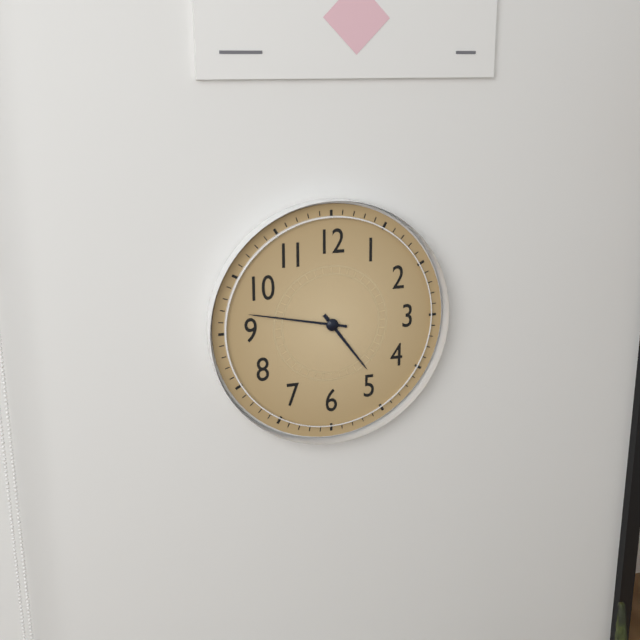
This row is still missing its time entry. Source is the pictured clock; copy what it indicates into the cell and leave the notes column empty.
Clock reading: 4:47
